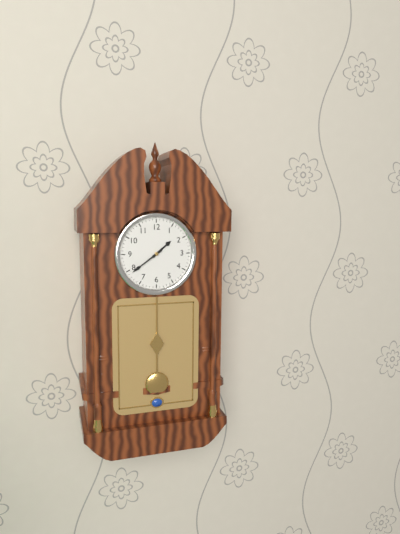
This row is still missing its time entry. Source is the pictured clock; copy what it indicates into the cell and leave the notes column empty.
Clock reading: 1:39
